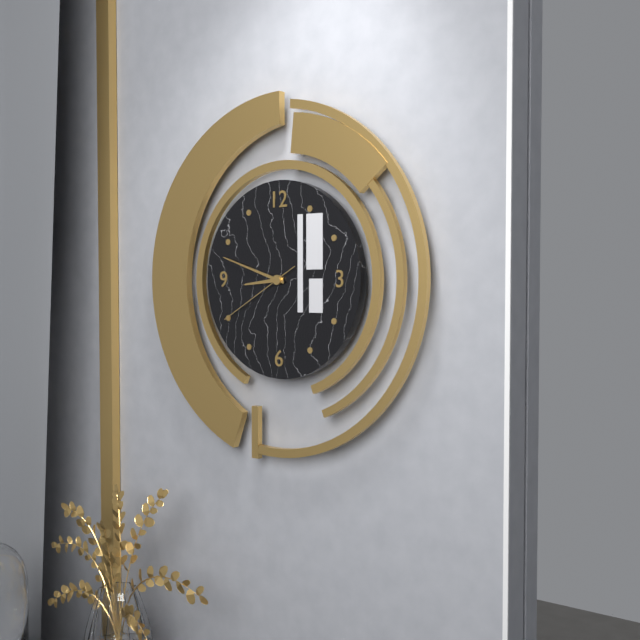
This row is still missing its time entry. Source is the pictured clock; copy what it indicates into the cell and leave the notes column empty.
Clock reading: 8:48:40
